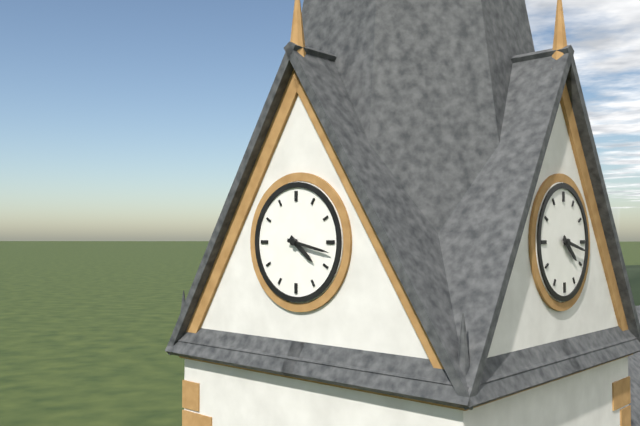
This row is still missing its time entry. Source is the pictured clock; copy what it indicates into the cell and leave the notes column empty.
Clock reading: 4:17
